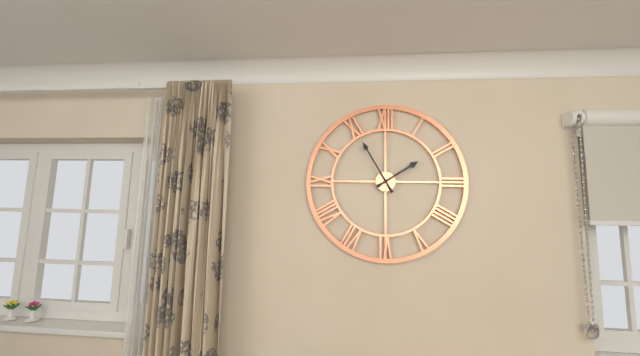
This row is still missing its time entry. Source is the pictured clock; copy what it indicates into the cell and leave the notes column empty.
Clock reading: 1:55
